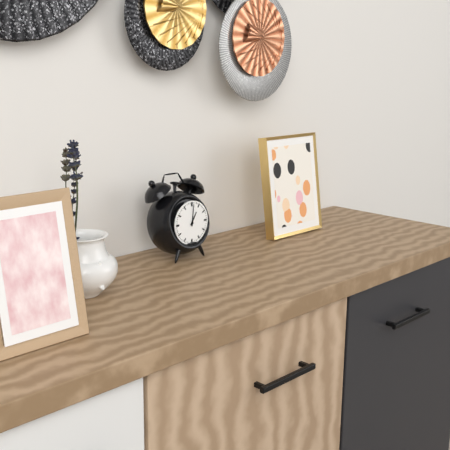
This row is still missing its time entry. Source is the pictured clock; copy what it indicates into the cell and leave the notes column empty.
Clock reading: 1:01
